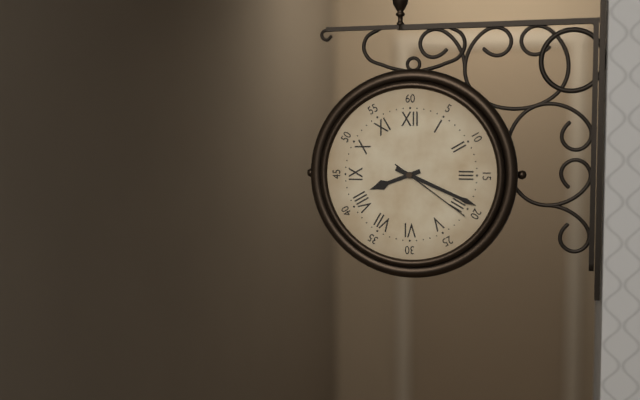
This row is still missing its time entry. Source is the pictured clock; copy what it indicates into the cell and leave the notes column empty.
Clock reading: 8:19:21
